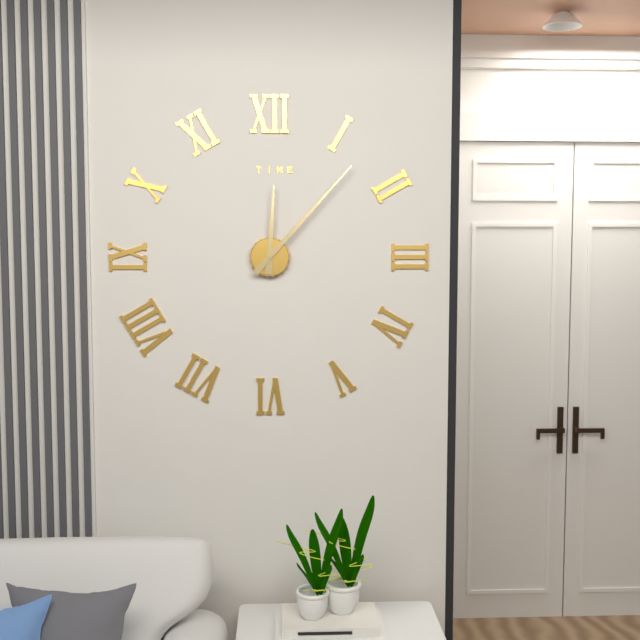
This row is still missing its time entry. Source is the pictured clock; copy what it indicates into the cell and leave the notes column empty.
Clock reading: 12:07
